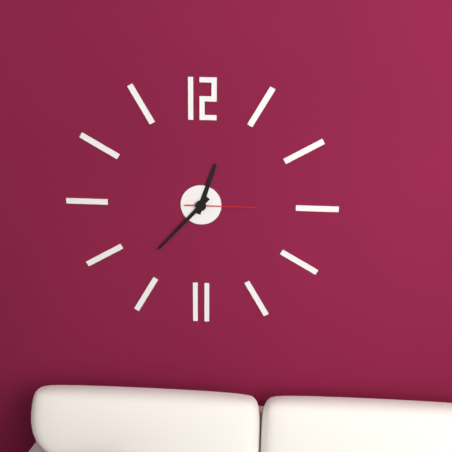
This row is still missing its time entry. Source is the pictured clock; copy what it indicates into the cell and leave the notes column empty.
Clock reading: 12:37:15
